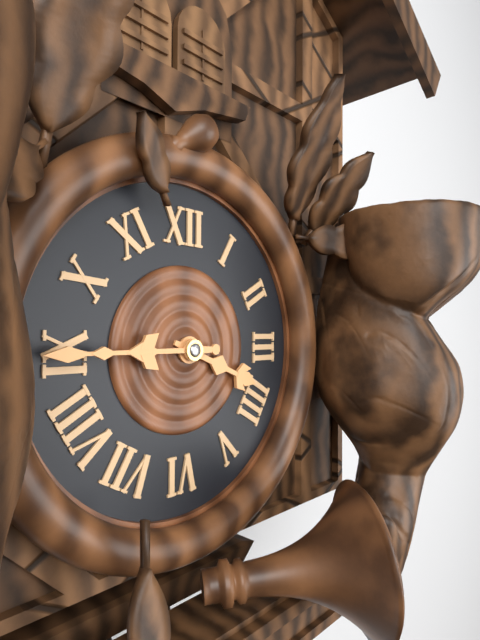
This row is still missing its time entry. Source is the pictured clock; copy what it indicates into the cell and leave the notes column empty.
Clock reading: 3:45
